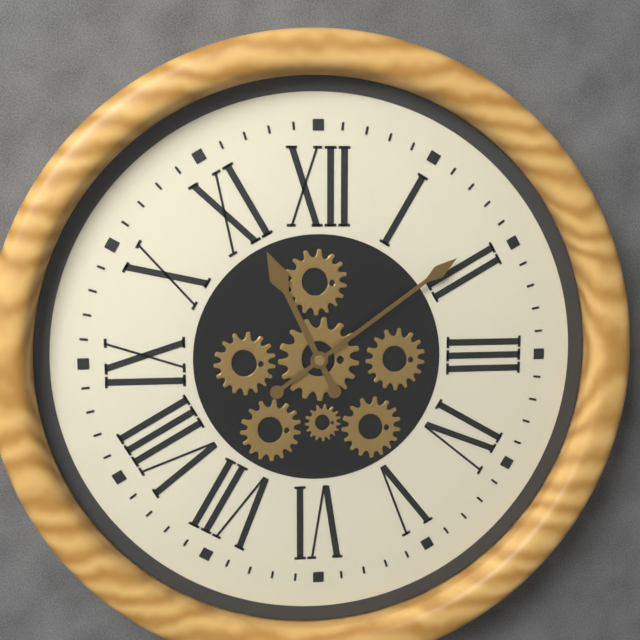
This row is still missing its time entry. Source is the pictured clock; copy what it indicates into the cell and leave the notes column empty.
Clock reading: 11:09
